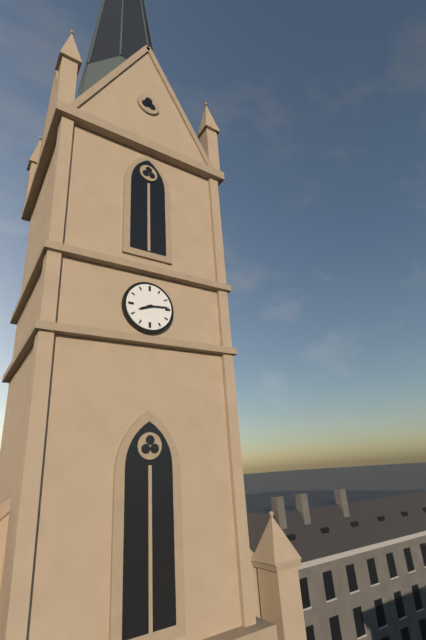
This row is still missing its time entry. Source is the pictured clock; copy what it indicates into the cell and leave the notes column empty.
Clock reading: 8:14
